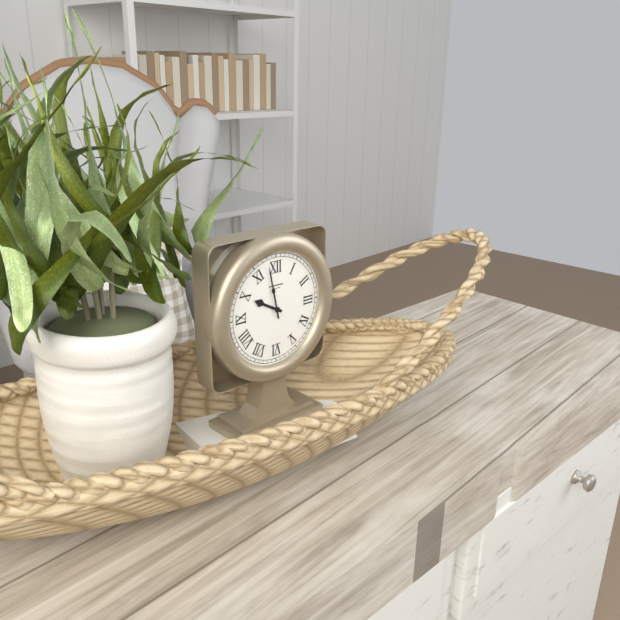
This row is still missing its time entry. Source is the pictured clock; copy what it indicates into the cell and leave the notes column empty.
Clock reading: 9:58
